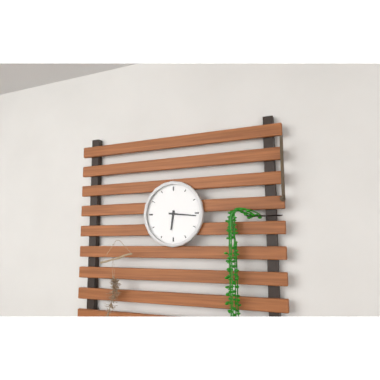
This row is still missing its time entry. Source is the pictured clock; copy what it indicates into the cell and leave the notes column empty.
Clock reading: 6:16
